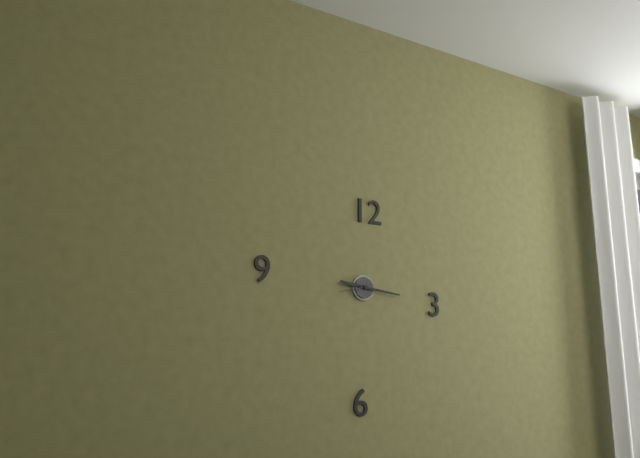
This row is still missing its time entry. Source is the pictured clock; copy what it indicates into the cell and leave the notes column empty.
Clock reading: 9:16
